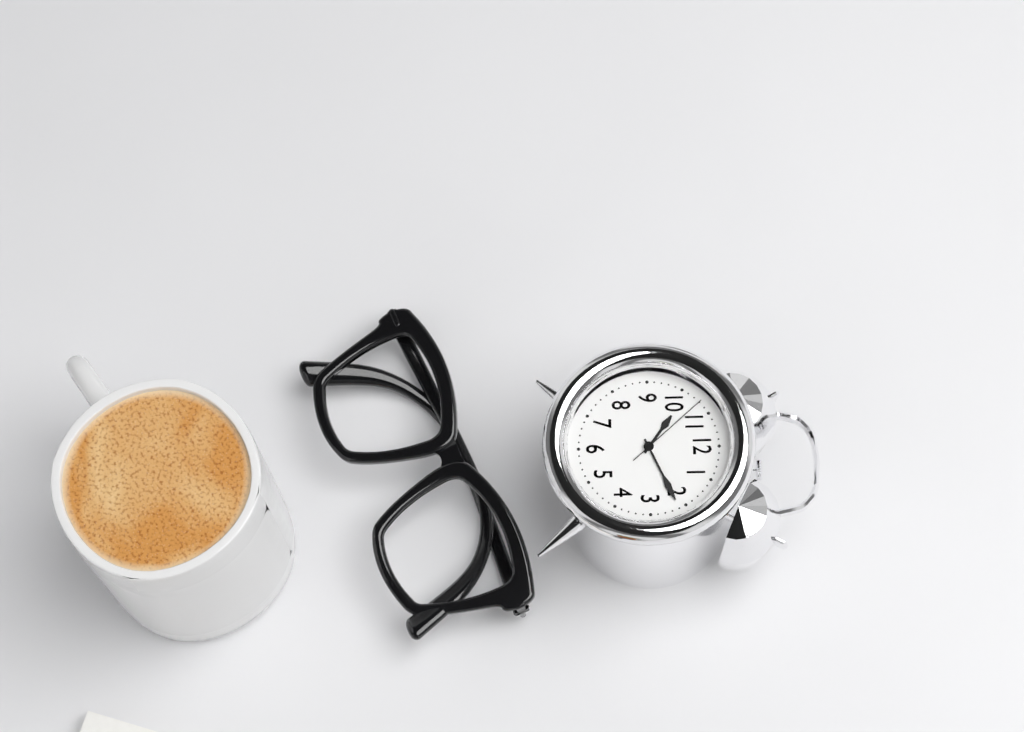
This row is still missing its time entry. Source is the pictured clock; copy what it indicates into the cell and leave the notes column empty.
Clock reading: 10:11:53
